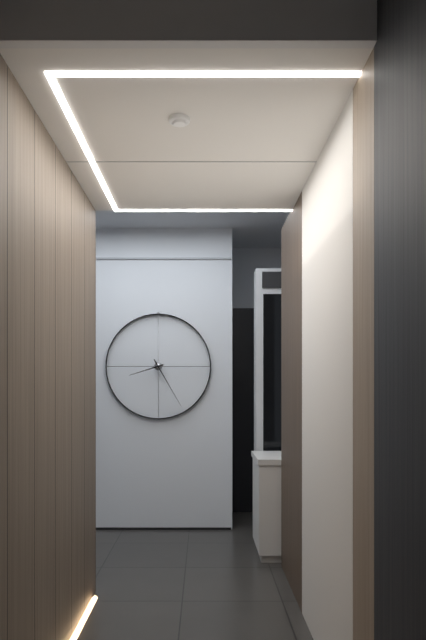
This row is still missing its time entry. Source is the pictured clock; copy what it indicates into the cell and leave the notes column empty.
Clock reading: 8:25
